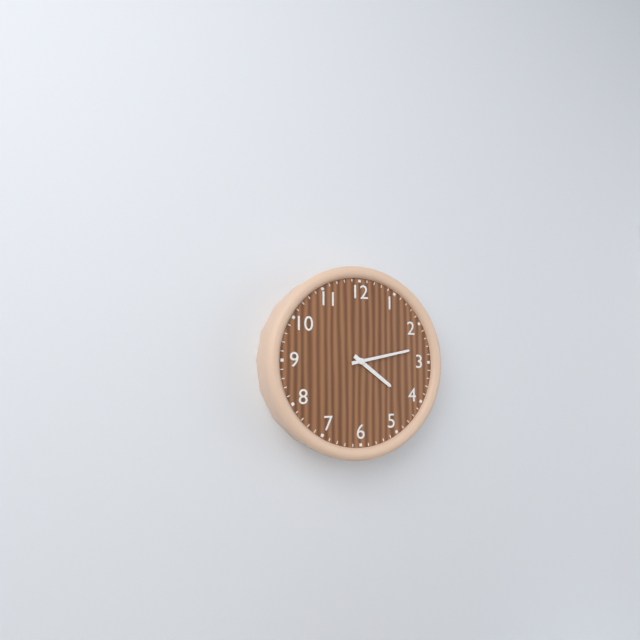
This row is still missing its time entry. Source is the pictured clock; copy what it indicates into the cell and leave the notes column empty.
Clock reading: 4:13
